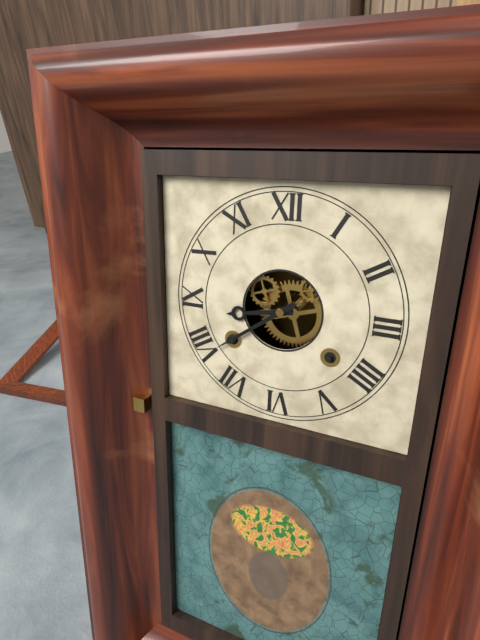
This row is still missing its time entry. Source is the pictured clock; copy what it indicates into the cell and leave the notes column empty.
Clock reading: 8:39
